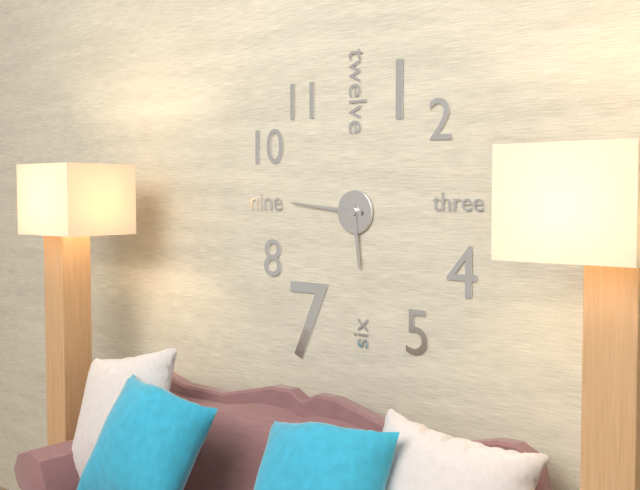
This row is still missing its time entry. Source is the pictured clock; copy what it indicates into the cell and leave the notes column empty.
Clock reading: 5:46
